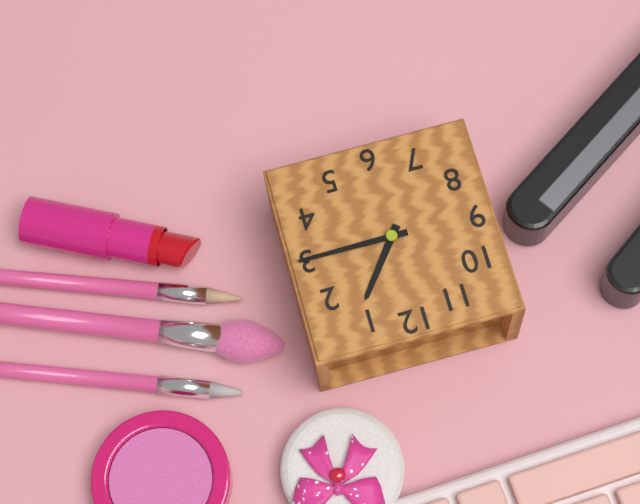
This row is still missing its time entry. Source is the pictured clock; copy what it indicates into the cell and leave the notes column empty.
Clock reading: 1:15
